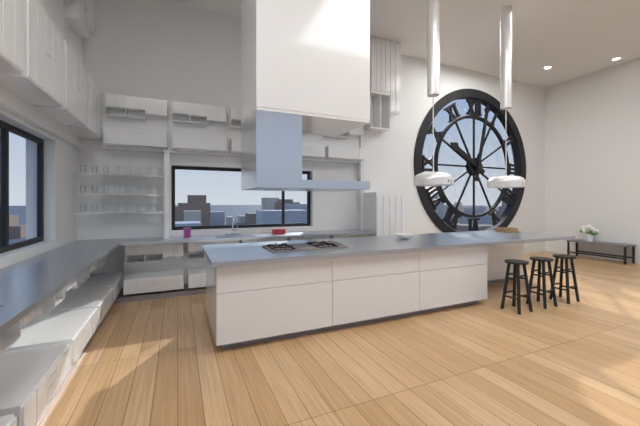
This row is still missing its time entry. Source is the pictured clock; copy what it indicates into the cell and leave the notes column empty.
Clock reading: 10:02
